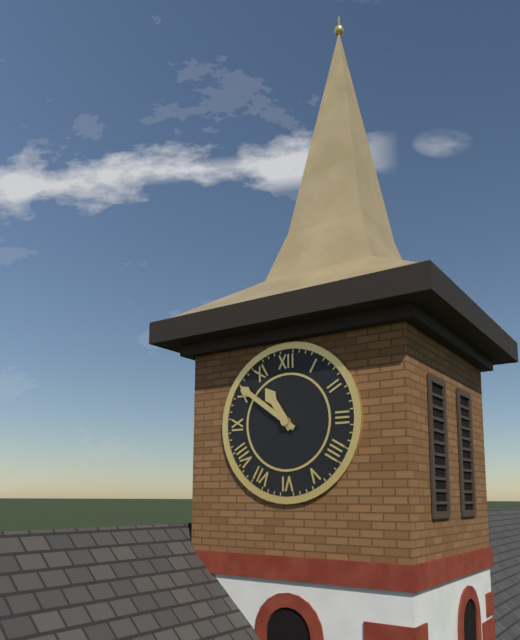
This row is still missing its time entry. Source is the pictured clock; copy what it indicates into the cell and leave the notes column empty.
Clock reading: 10:51
